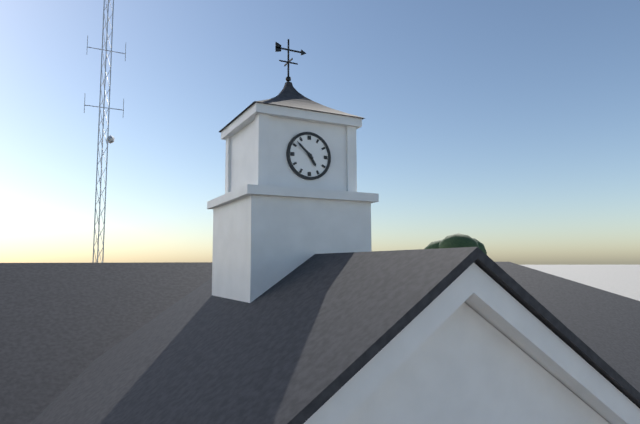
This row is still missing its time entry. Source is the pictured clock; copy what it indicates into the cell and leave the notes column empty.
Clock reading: 4:52
